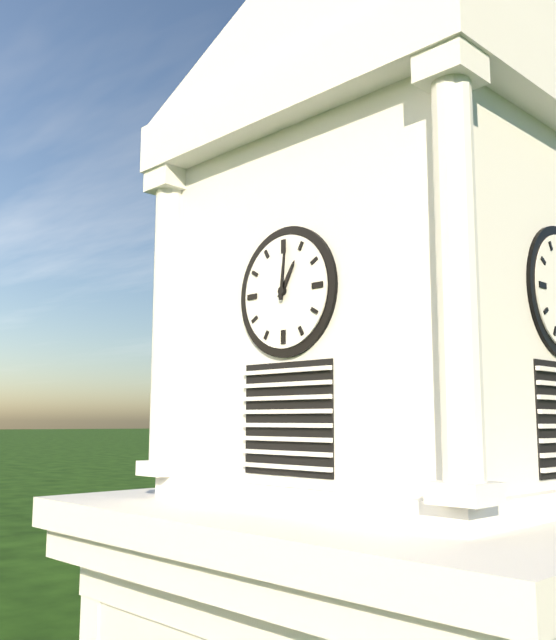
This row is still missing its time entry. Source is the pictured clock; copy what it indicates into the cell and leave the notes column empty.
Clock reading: 1:01
